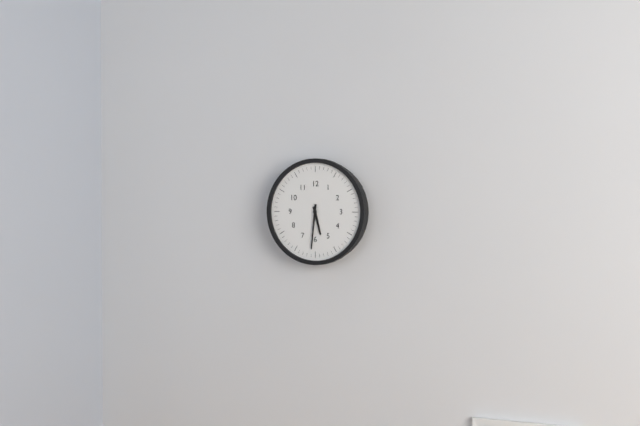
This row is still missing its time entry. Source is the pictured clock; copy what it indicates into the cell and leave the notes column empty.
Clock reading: 5:31
